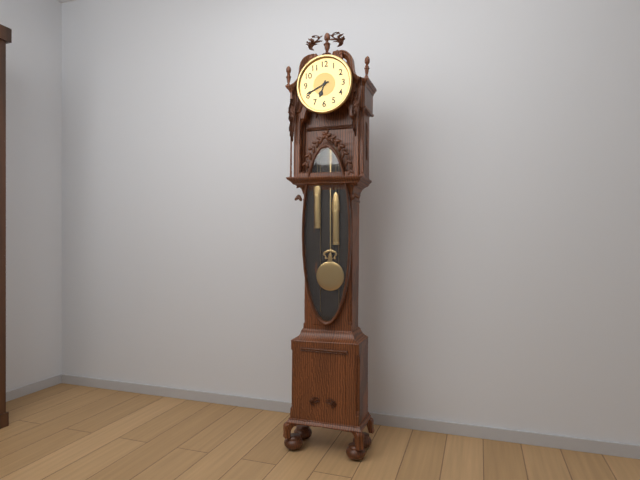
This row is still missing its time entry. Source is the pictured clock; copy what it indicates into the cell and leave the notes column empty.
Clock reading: 6:41
